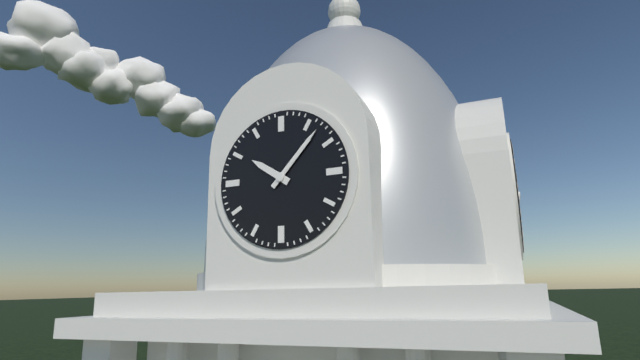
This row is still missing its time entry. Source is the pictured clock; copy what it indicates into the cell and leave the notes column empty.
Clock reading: 10:07
